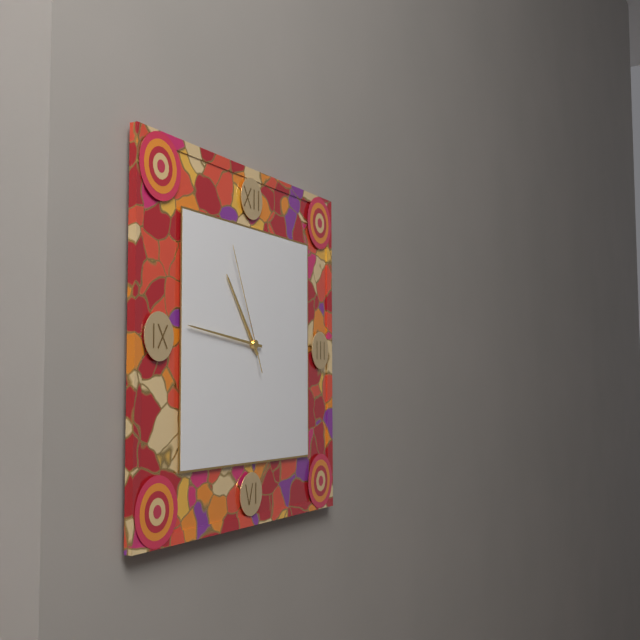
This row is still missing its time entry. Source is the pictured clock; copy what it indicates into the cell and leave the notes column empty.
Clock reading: 10:46:56
